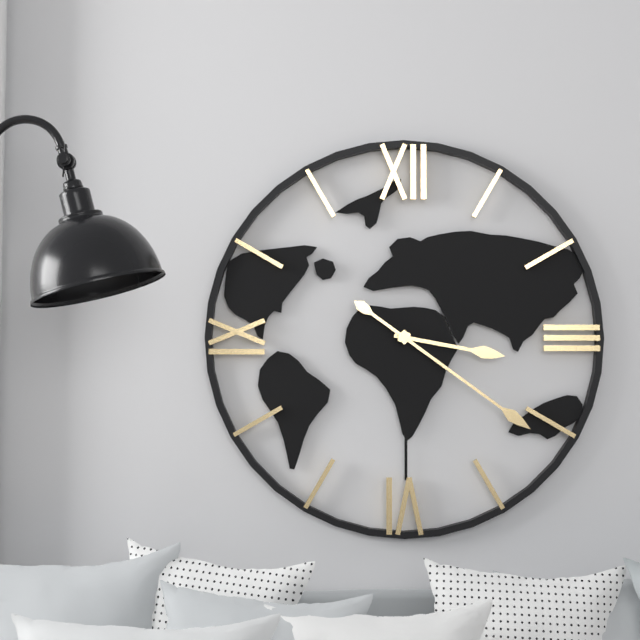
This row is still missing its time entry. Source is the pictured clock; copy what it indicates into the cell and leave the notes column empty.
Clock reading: 3:21
